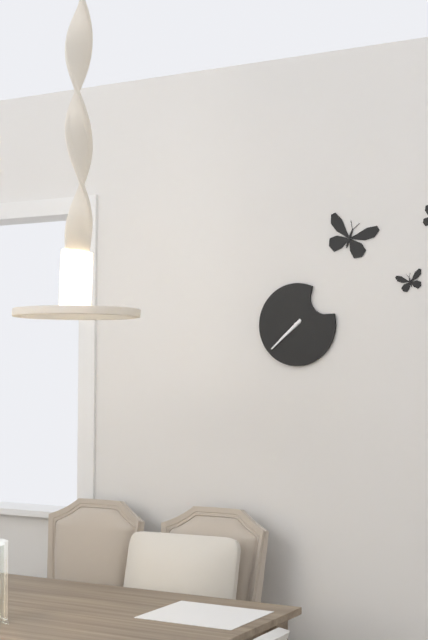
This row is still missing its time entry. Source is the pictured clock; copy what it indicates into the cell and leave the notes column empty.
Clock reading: 7:38
